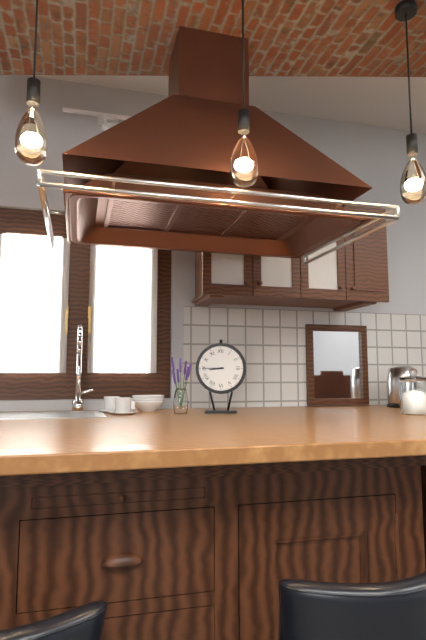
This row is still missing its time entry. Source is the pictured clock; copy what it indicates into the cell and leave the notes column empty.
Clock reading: 8:45
